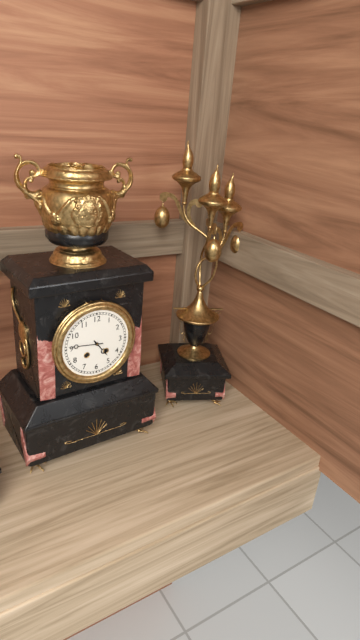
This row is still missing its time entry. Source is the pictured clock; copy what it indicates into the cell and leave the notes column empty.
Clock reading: 4:46
